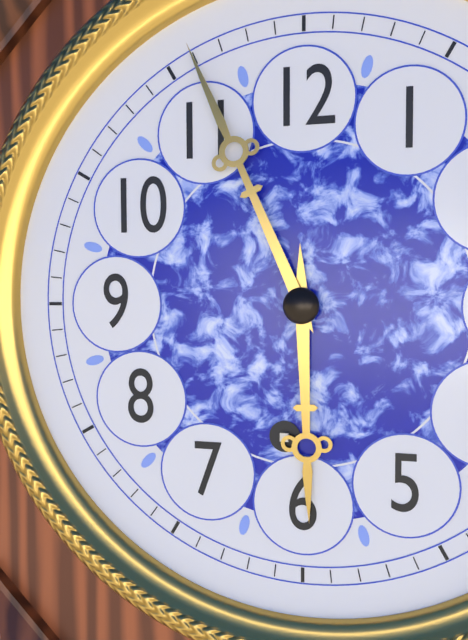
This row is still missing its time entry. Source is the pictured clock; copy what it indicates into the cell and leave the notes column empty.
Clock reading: 5:56
